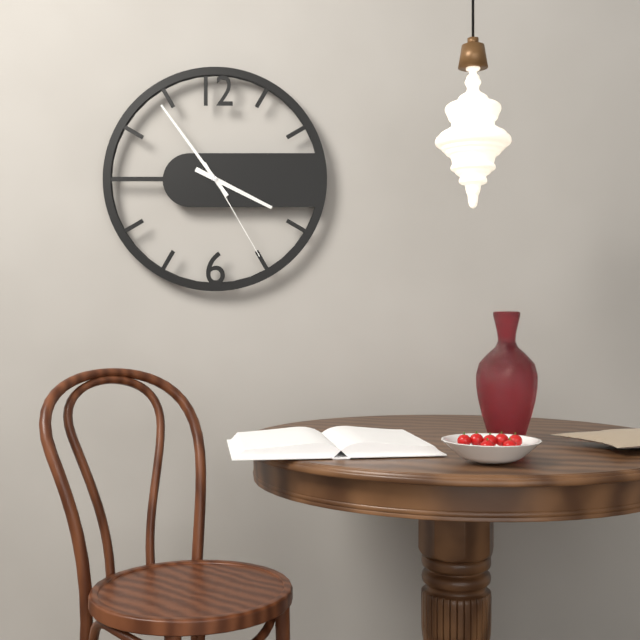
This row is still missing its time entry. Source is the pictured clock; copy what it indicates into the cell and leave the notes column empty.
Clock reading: 3:54:25
